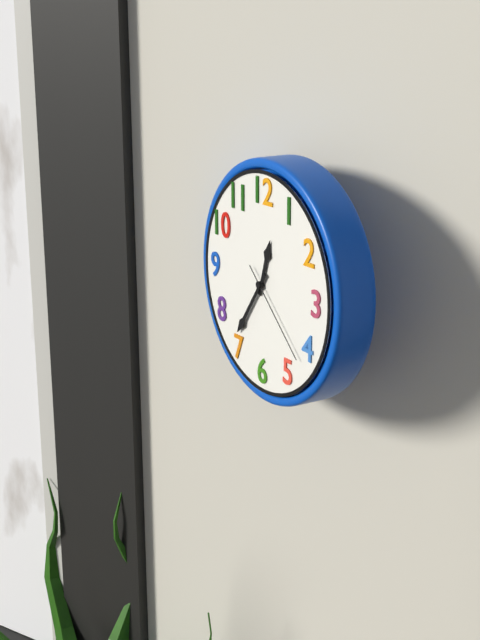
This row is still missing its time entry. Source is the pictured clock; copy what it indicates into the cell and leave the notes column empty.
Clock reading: 12:36:22
